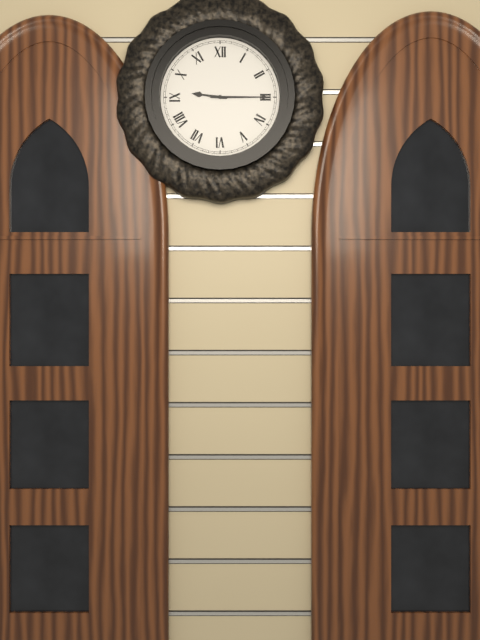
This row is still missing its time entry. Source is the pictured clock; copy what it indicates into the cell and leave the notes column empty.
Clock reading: 9:15
